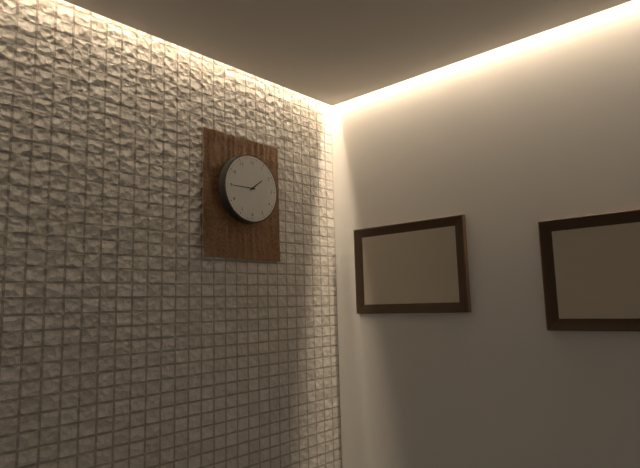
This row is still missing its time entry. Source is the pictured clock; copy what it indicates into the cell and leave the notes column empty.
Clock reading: 1:45
